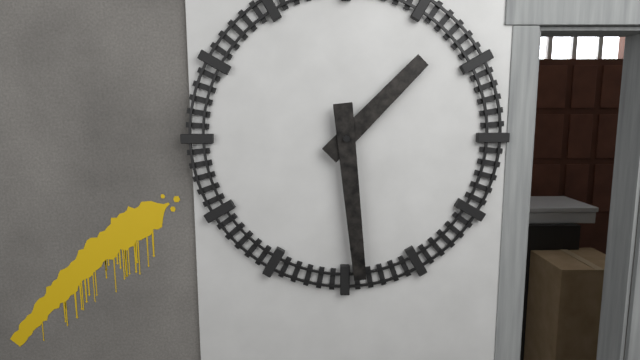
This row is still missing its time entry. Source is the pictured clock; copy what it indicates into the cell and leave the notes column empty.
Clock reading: 1:29
